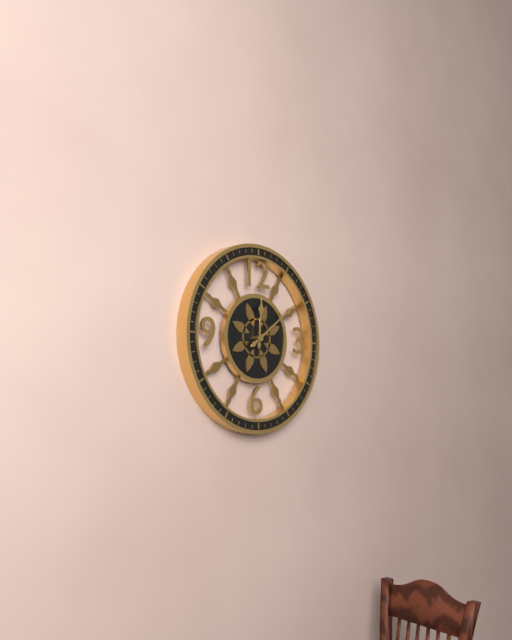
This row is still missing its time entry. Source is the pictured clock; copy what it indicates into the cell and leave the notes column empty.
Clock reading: 12:09
